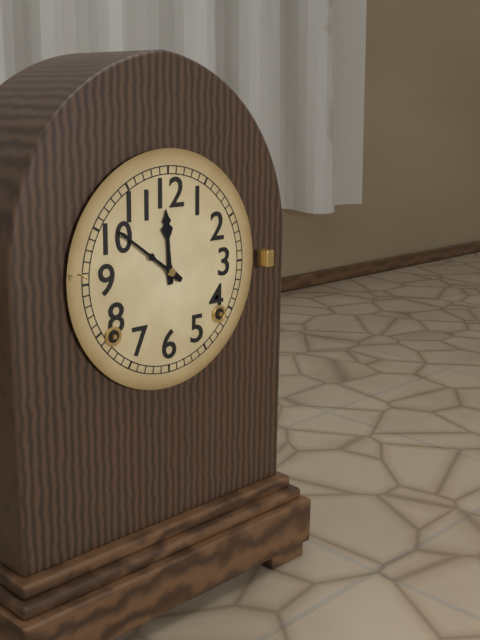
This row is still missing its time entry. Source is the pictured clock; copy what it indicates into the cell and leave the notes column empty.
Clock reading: 11:51
